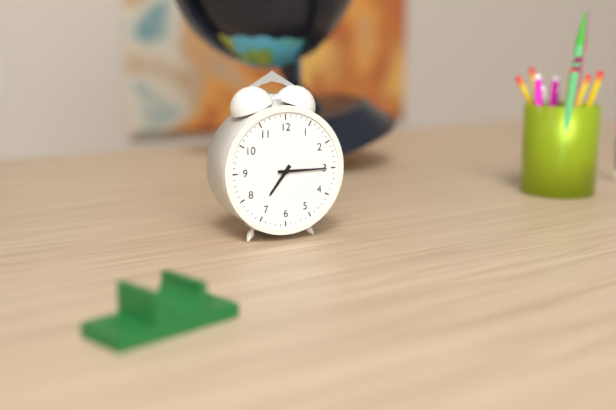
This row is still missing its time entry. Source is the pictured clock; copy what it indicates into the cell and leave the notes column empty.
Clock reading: 7:15
